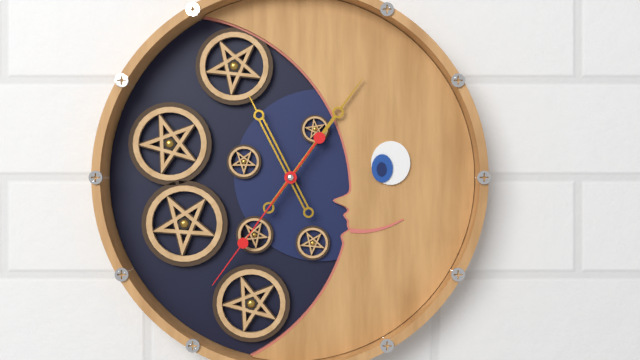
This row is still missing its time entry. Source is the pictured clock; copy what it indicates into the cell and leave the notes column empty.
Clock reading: 11:06:36
